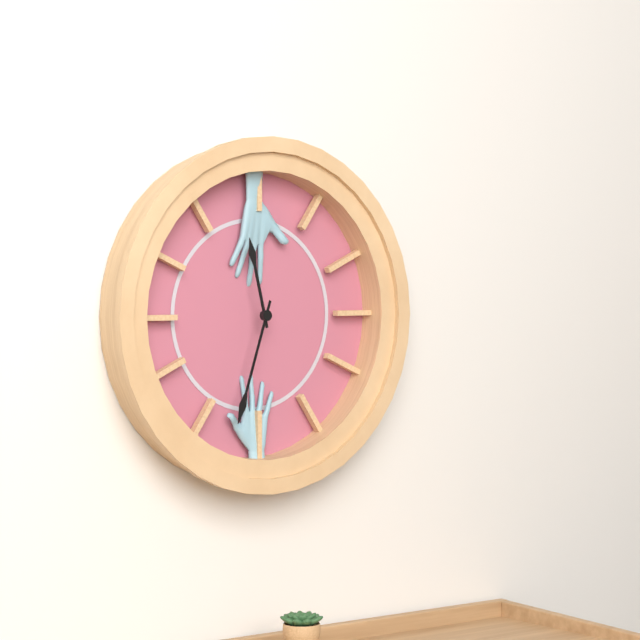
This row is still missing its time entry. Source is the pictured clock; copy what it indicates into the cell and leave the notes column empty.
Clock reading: 11:33
